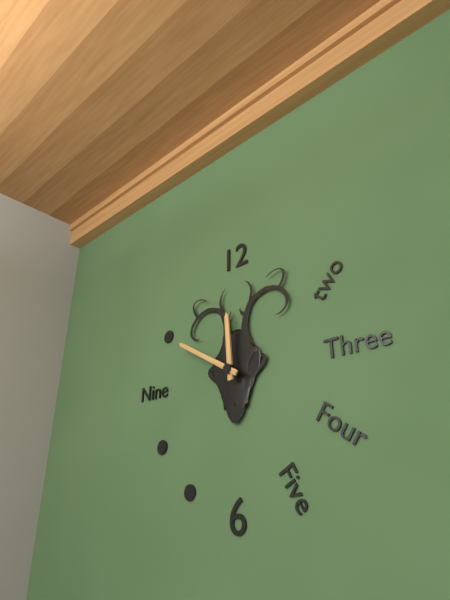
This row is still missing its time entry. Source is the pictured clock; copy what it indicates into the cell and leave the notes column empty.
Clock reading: 11:50
